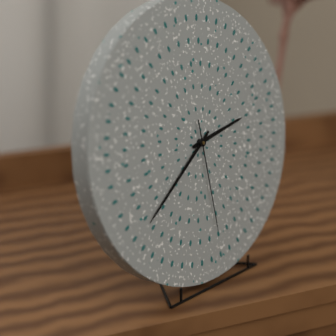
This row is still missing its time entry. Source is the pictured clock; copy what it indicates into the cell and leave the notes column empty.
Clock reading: 2:39:29
